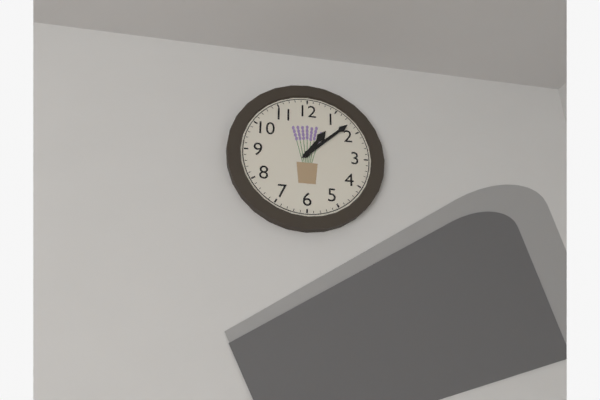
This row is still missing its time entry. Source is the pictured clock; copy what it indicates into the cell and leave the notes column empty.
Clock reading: 1:08
